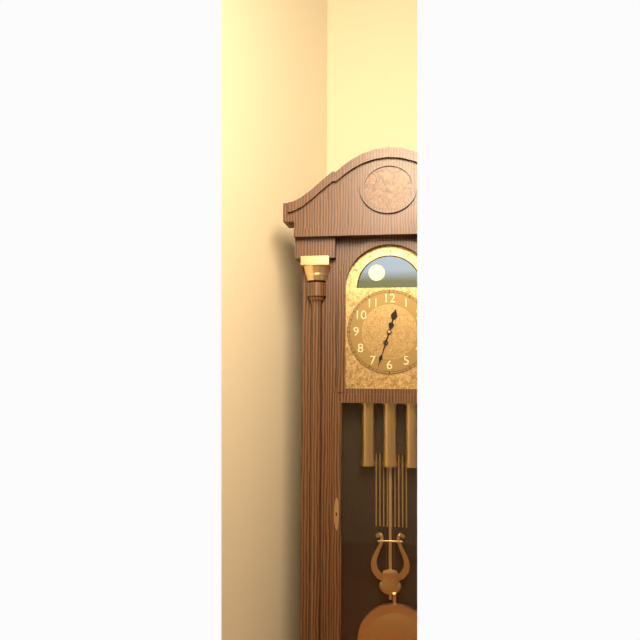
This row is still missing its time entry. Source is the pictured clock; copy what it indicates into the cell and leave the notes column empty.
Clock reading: 12:33
